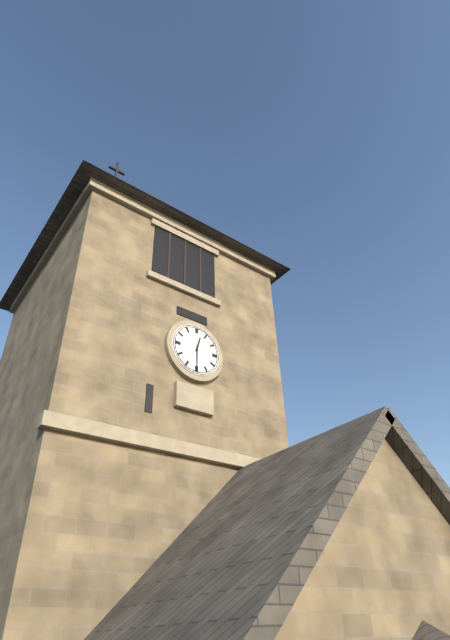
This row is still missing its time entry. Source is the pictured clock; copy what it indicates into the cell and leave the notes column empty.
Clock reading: 12:30
